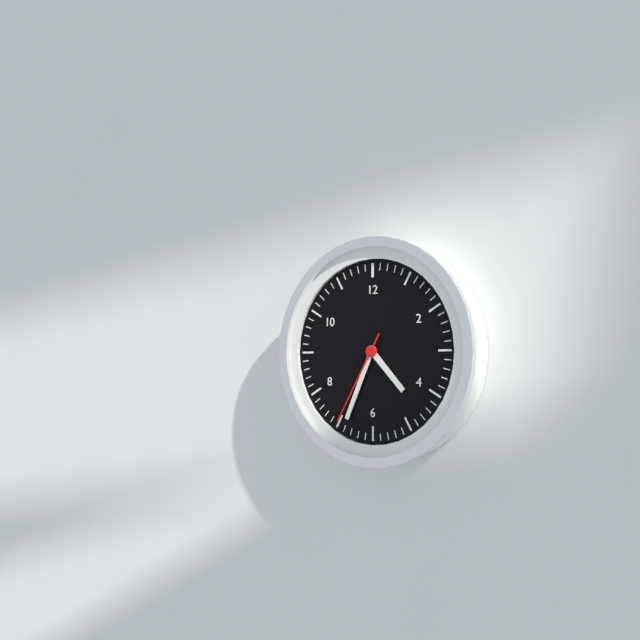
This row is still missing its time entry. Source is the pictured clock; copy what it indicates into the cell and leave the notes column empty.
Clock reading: 4:34:35
